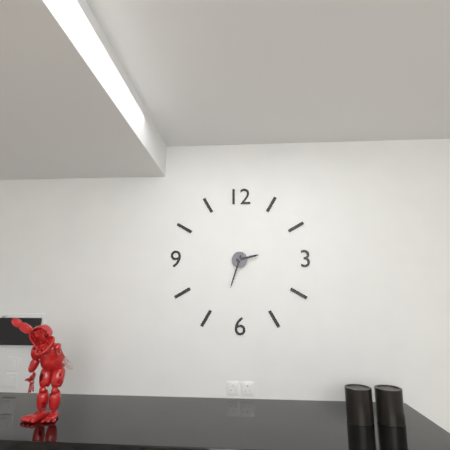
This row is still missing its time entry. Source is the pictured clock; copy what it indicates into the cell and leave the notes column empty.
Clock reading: 2:33
